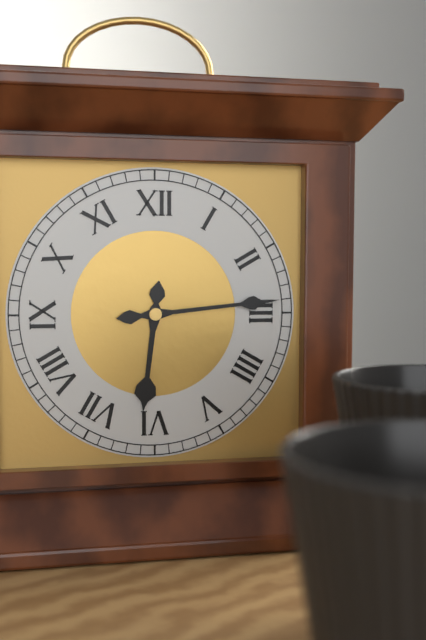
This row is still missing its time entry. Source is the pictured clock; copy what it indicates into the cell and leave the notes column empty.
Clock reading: 6:14
